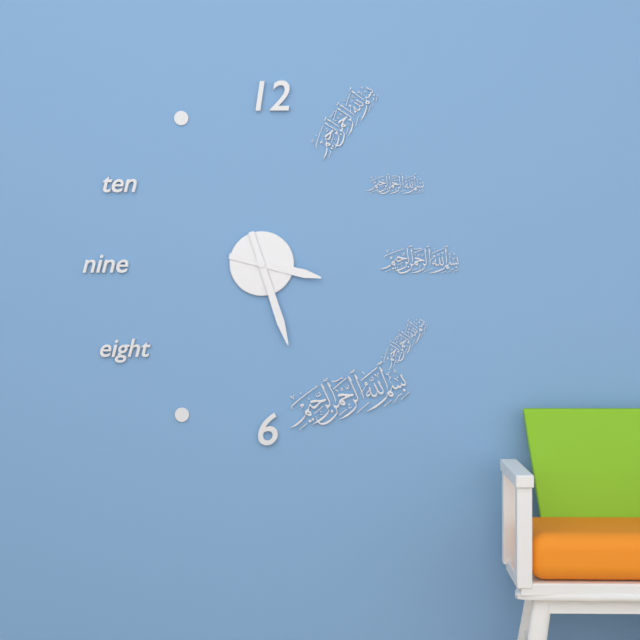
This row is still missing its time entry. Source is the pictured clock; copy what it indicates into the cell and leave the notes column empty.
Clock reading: 3:27
